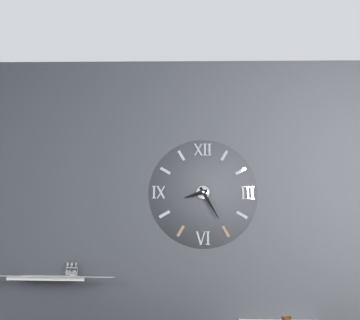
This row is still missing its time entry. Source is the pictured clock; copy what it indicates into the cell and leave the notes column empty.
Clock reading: 8:25
